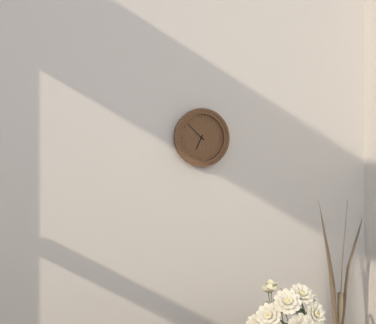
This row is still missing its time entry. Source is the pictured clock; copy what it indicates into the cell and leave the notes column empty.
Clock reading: 6:52
